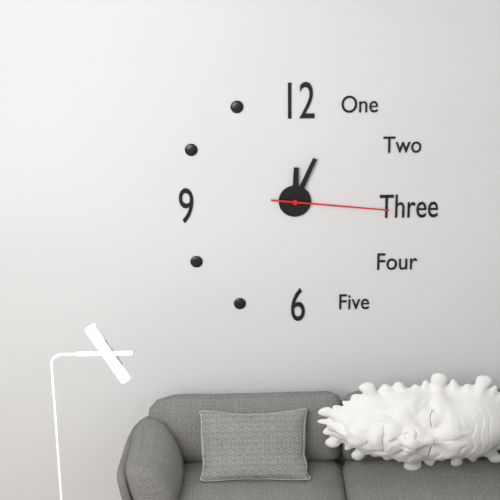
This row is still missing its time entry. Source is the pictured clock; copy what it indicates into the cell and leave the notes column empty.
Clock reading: 12:04:16
